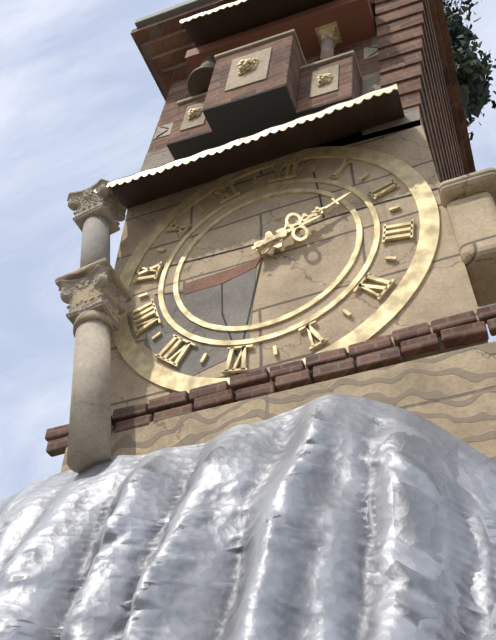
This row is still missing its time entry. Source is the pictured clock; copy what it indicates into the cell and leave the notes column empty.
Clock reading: 2:09
